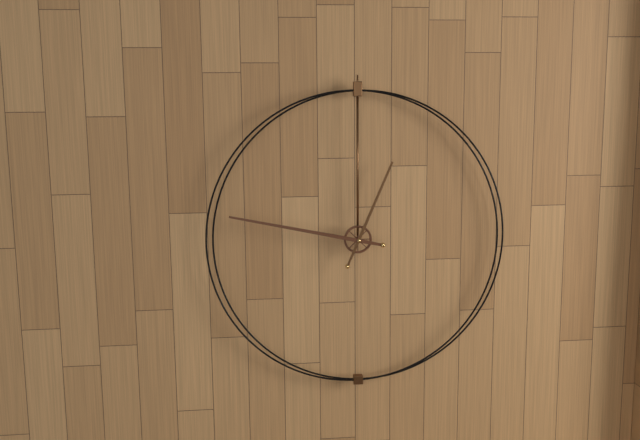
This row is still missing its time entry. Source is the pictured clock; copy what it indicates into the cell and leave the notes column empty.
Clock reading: 12:47
